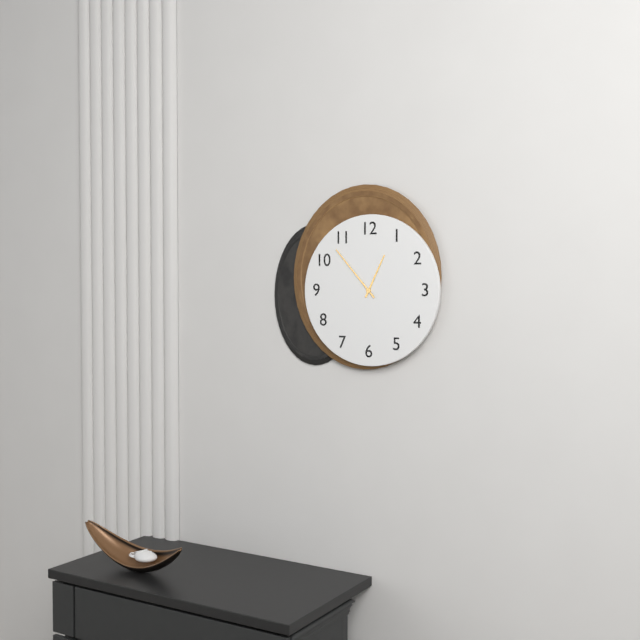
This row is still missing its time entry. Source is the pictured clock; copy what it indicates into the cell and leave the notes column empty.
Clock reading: 12:53
